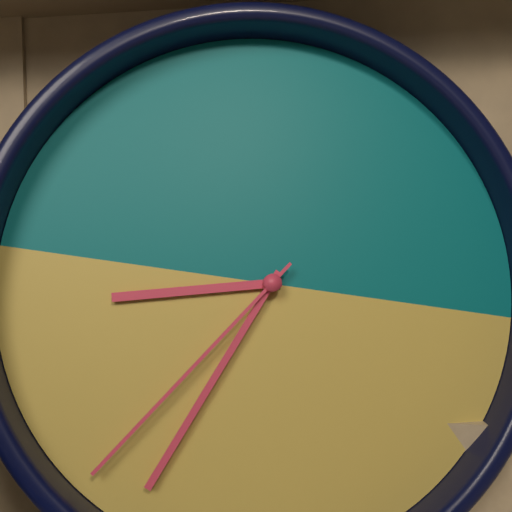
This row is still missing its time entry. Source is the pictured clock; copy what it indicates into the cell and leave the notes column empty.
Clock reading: 8:34:36
